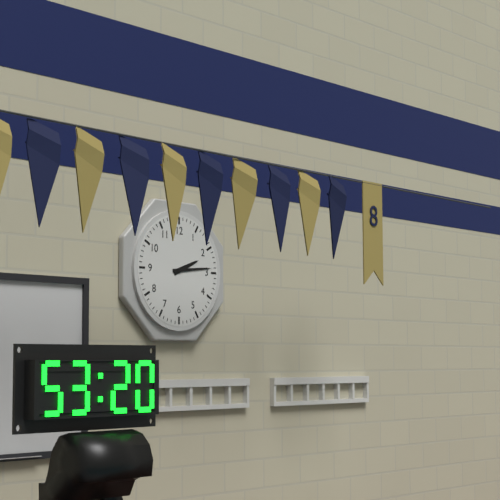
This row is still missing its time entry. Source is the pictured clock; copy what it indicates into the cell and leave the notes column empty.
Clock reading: 2:14
